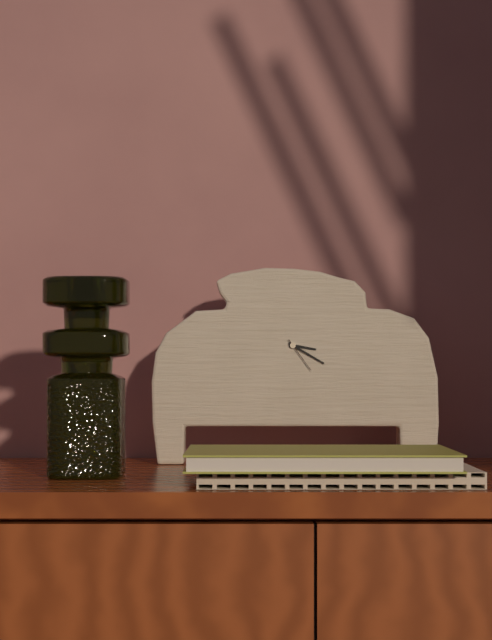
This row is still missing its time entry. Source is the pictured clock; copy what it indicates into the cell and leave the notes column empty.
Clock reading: 3:20
